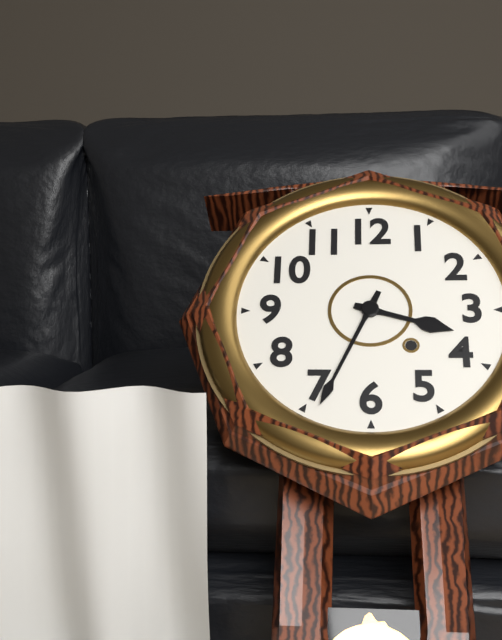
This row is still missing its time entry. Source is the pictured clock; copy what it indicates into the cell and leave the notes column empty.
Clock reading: 3:34
